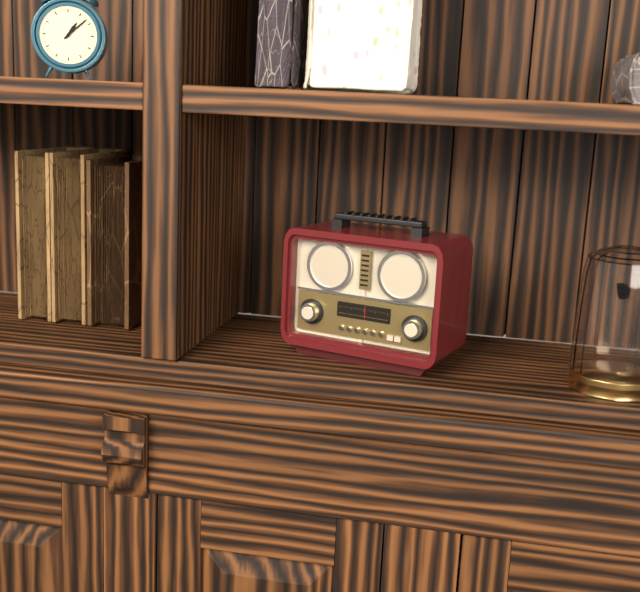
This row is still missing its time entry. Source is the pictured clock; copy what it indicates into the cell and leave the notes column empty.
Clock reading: 1:08
